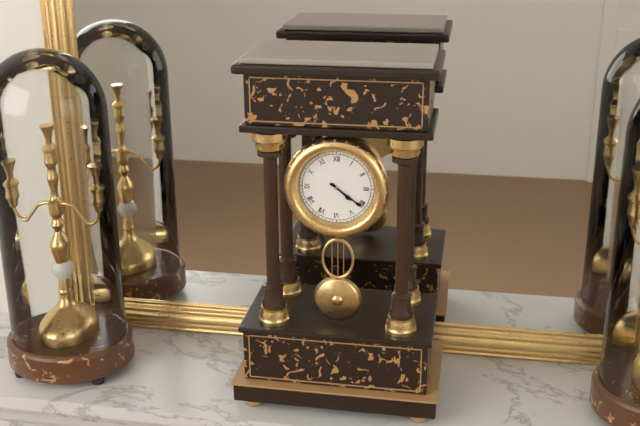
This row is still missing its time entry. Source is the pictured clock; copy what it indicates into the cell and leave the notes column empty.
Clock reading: 4:21
